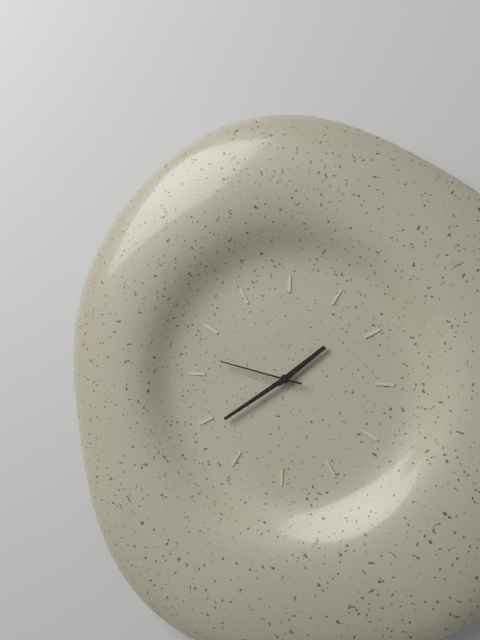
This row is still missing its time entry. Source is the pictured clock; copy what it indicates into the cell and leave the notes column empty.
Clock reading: 1:39:47
